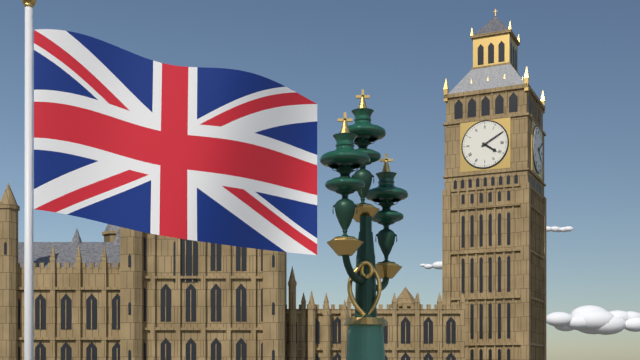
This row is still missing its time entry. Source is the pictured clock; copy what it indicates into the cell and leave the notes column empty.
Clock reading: 4:10
